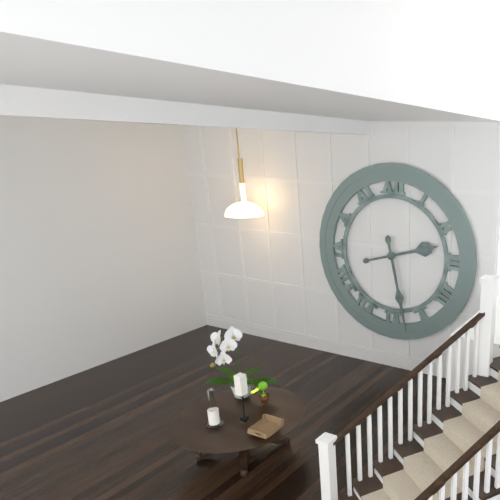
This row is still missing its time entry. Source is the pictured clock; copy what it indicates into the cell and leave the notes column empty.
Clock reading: 2:28
